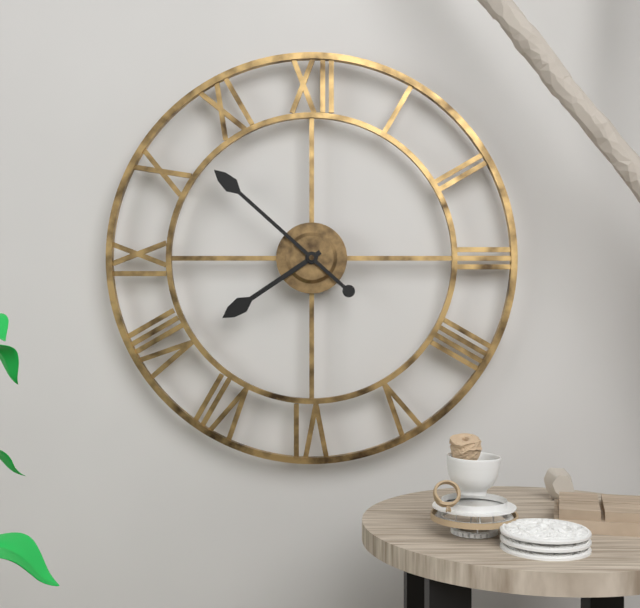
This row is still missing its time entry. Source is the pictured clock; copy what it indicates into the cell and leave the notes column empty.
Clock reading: 7:52
